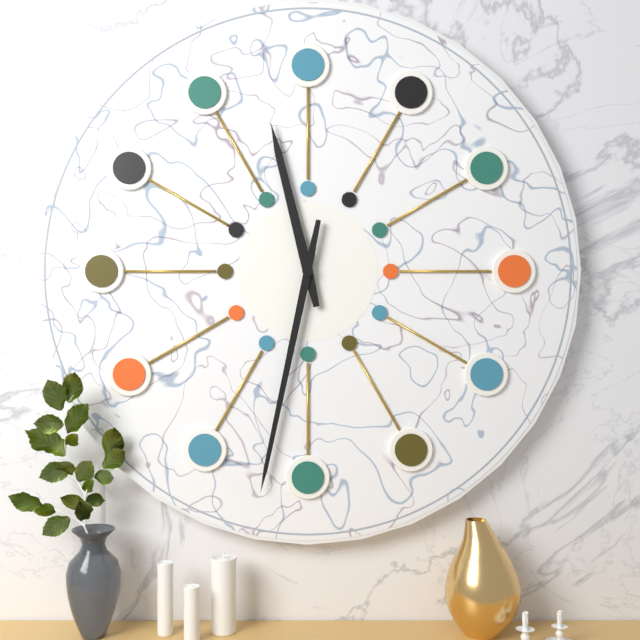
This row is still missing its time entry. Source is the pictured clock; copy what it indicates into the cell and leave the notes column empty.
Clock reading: 11:32
